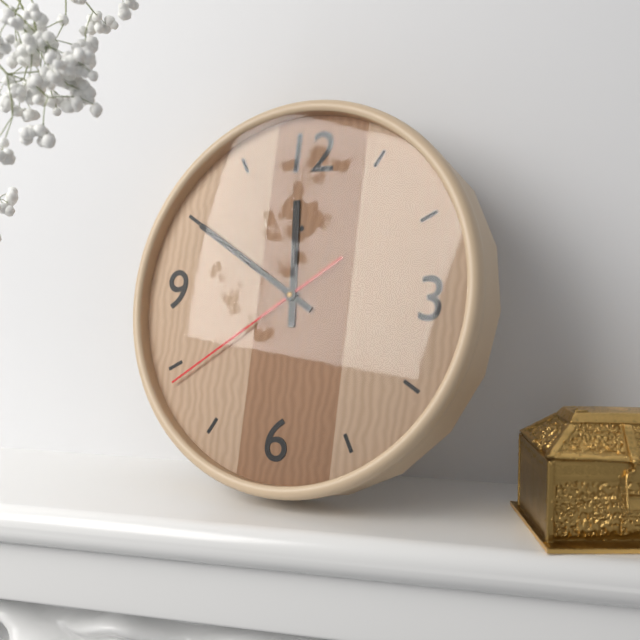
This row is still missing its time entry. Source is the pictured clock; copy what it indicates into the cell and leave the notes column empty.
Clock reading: 11:50:39
